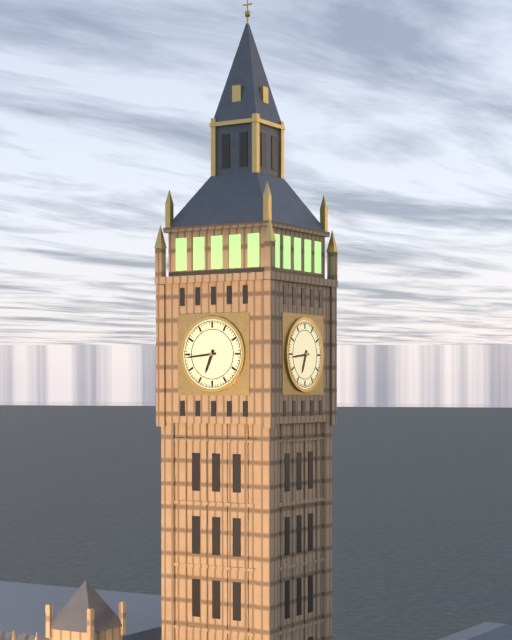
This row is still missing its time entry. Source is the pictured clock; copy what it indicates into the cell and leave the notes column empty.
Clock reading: 6:44
